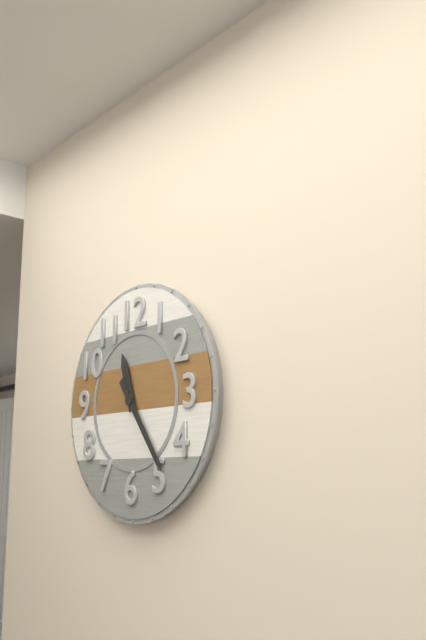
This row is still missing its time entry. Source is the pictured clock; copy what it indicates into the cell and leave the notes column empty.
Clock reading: 11:24
